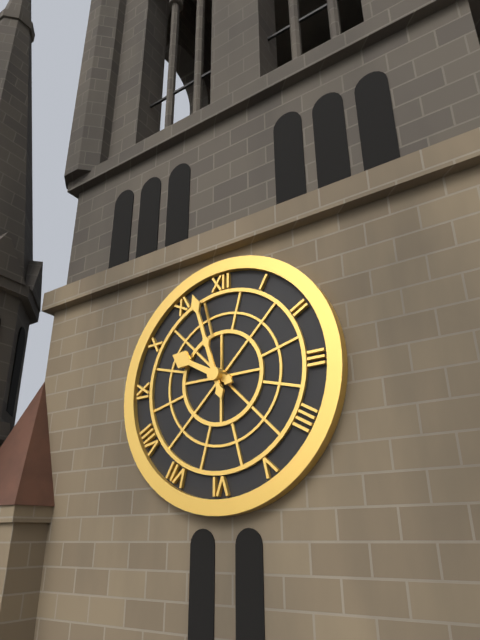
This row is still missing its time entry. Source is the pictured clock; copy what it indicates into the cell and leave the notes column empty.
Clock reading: 9:57
